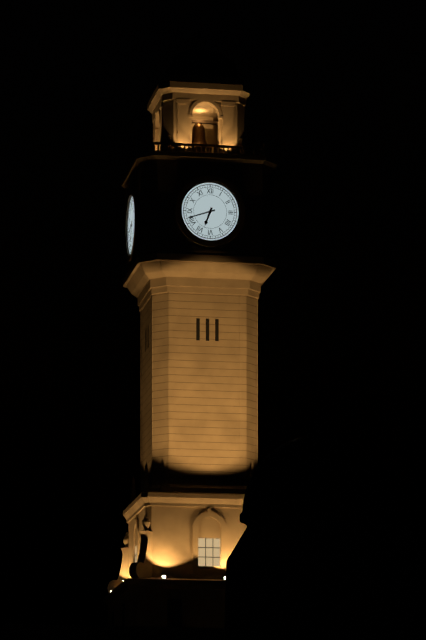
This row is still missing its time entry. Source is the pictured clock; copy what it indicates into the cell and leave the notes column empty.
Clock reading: 6:42
